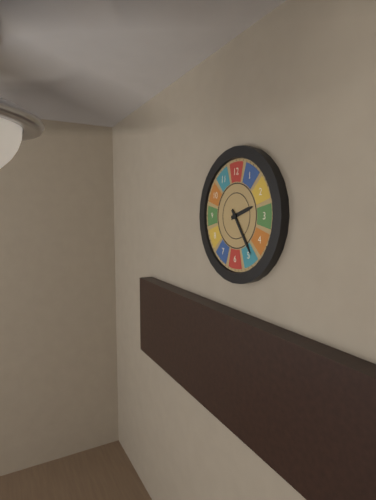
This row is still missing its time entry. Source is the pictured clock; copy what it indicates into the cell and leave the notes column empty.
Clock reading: 2:24
